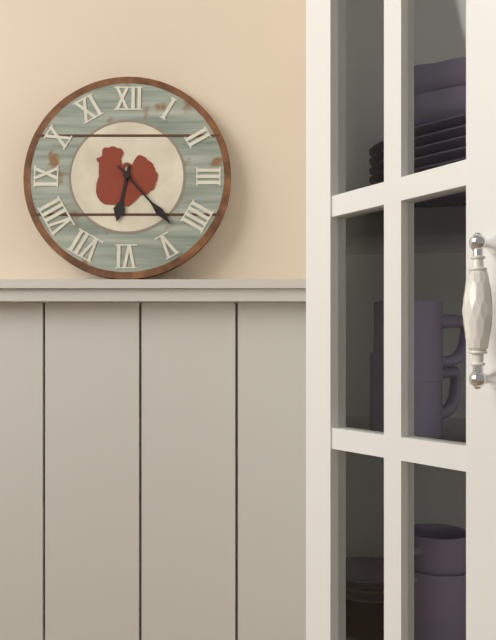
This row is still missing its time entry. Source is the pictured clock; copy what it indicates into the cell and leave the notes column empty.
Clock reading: 6:23
